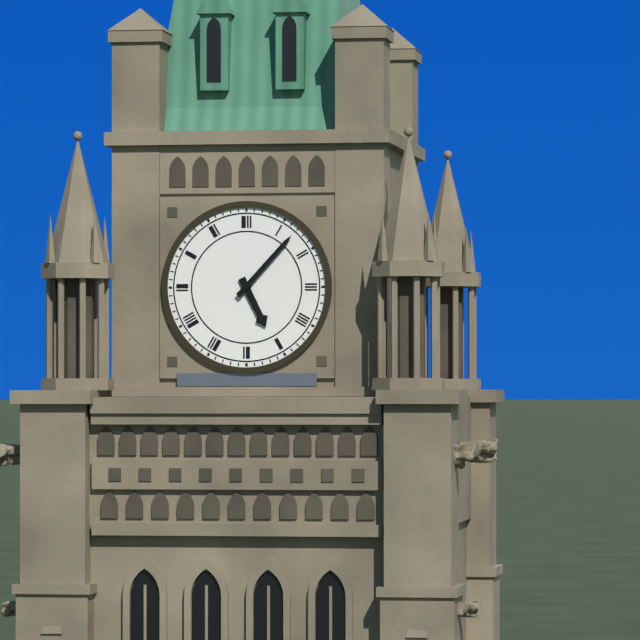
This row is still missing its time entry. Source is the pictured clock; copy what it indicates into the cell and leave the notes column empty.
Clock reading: 5:07
